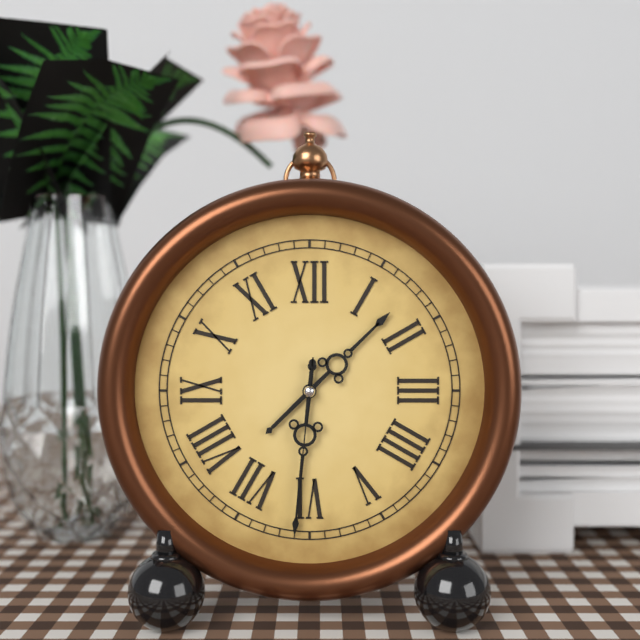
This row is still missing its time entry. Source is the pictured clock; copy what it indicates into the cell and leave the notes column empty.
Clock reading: 1:31:31
